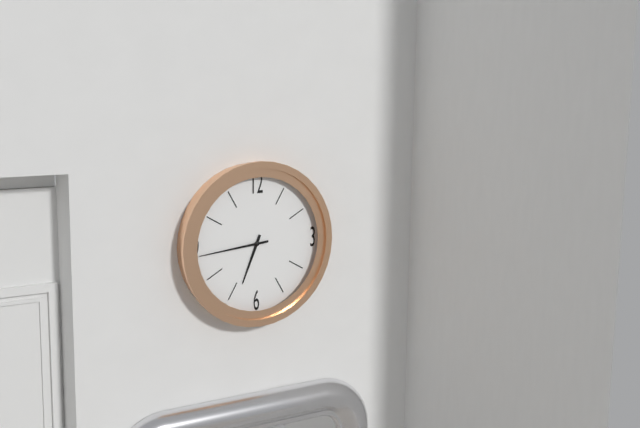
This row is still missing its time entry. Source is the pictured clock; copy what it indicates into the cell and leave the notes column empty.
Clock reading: 6:44
